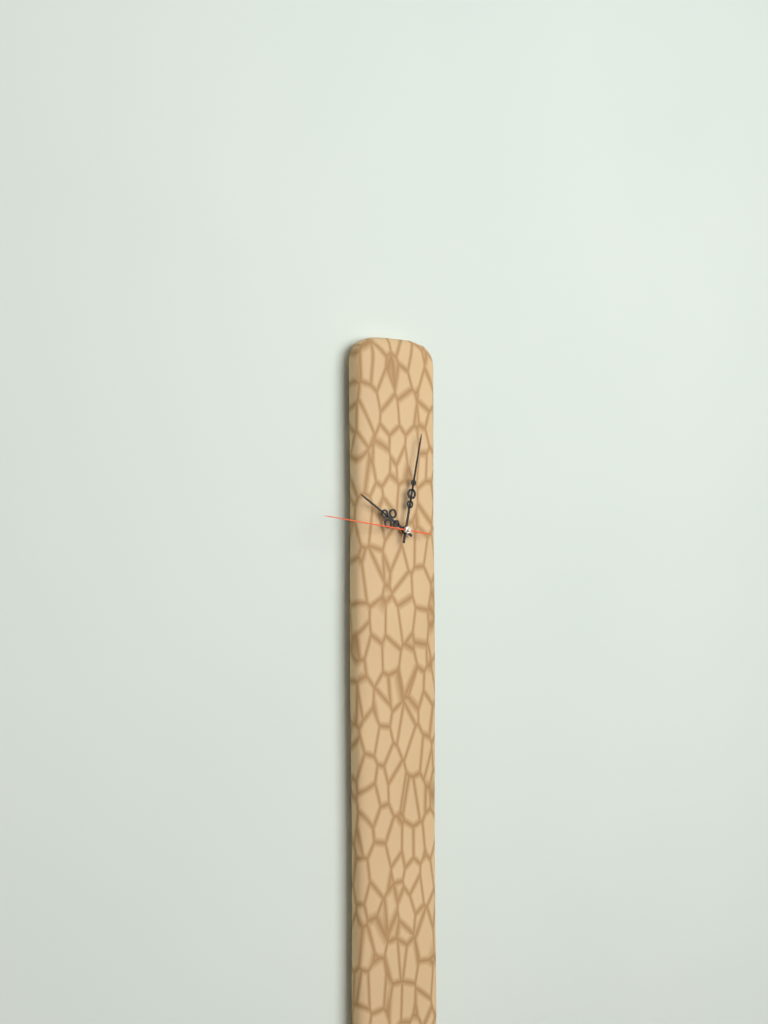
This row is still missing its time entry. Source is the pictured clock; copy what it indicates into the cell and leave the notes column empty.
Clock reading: 10:02:46
